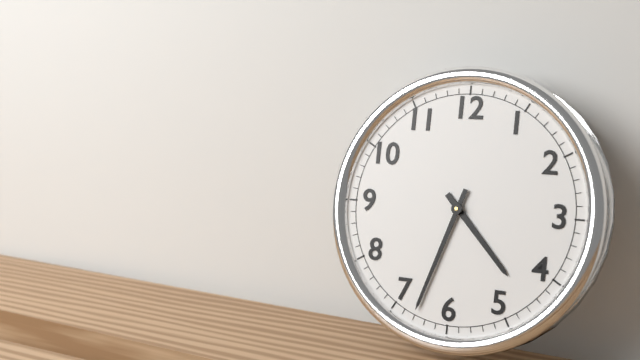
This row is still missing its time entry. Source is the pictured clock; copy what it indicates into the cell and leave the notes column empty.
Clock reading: 4:33
